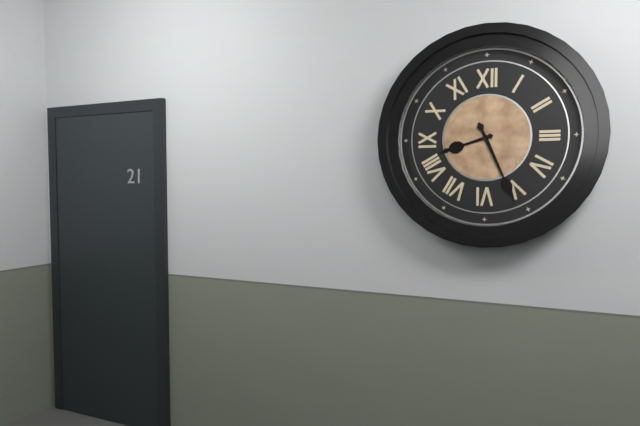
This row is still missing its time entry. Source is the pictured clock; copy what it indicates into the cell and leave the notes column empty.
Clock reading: 8:26
